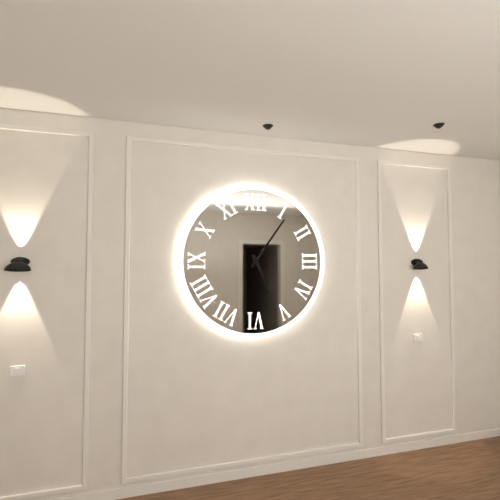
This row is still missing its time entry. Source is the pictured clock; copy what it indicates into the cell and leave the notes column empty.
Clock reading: 5:06
